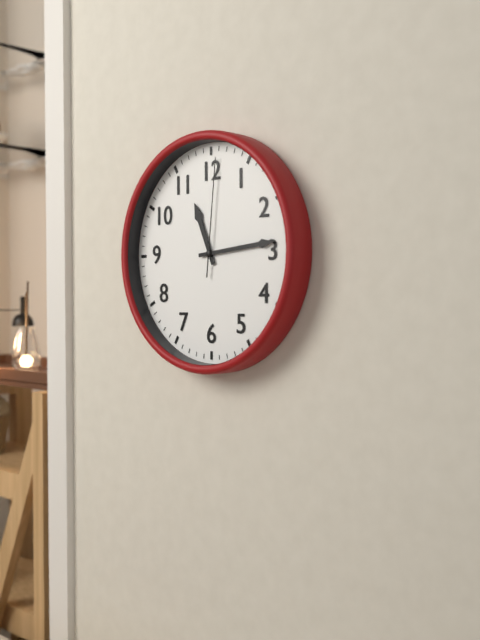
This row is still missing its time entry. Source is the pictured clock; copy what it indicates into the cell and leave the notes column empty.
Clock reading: 11:14:01
